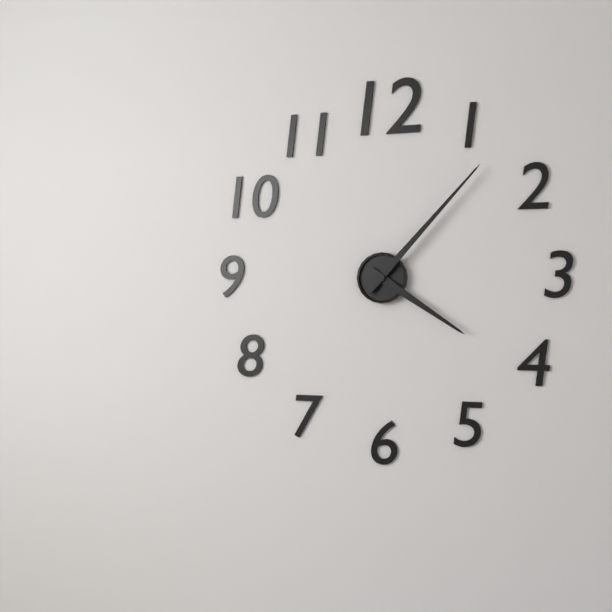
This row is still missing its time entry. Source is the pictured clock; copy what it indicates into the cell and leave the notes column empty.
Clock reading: 4:07
